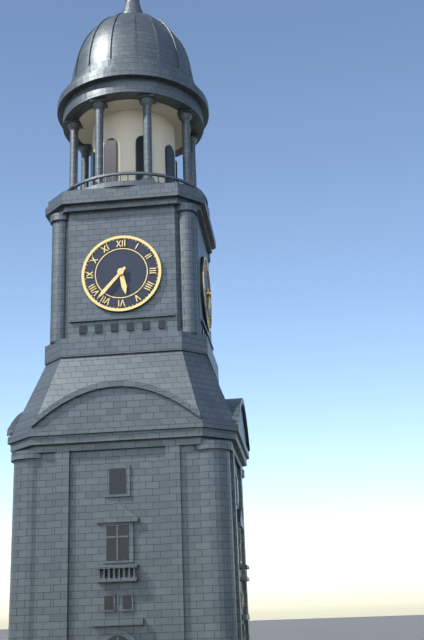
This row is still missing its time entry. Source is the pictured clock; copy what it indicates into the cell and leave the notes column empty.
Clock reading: 5:37
